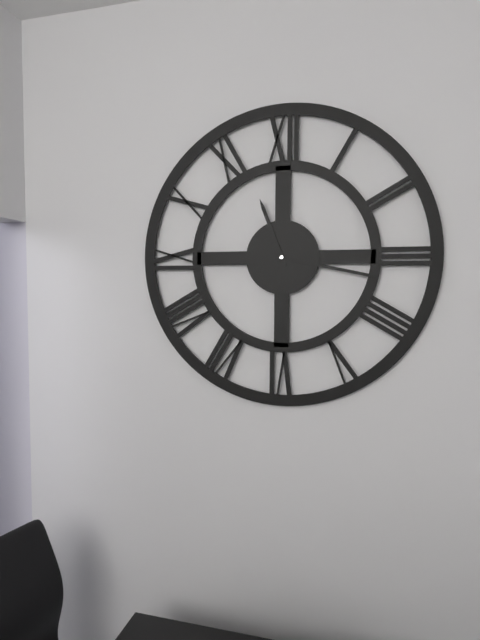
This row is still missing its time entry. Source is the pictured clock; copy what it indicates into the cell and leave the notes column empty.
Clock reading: 11:17
